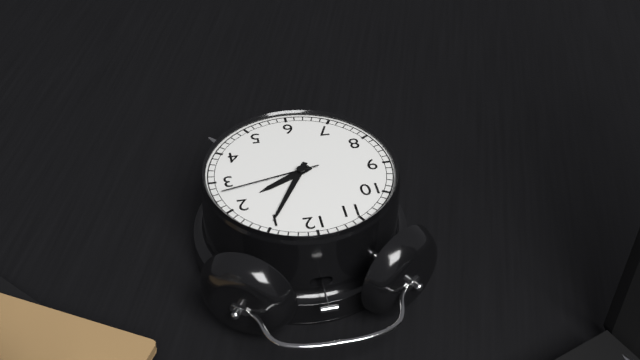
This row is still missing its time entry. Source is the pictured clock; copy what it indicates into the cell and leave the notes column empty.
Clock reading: 2:05:13
